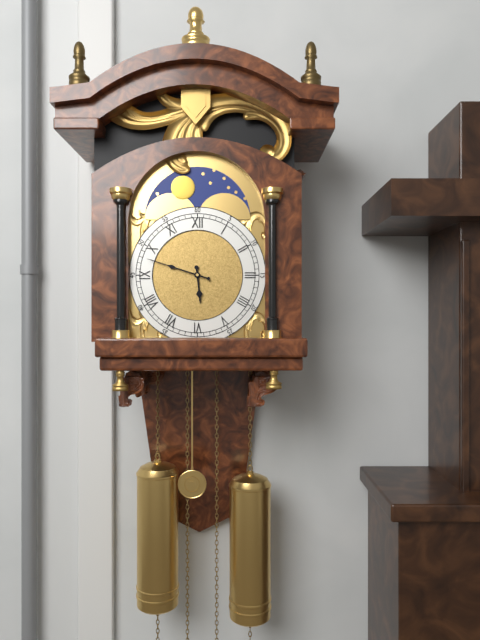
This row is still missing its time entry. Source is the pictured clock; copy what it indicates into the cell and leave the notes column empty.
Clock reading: 5:48
